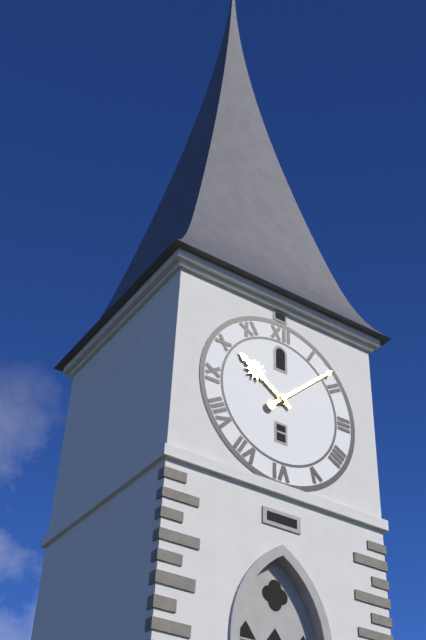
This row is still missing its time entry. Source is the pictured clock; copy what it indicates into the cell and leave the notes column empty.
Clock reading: 10:08
